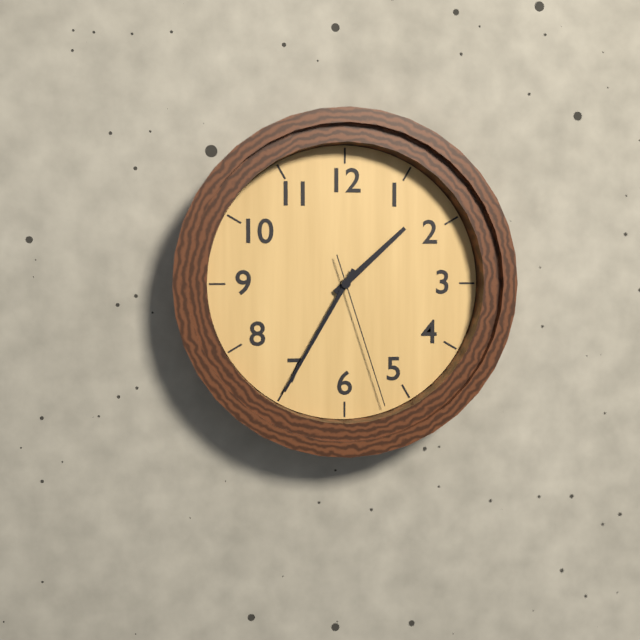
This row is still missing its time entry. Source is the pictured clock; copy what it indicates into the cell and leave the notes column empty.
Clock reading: 1:35:27
